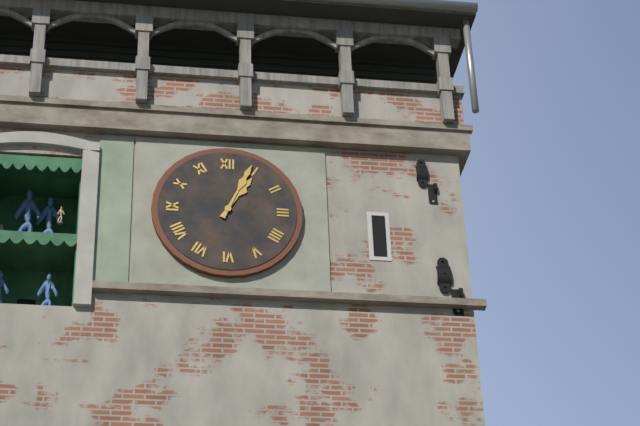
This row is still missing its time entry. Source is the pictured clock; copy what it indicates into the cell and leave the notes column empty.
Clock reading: 1:04
